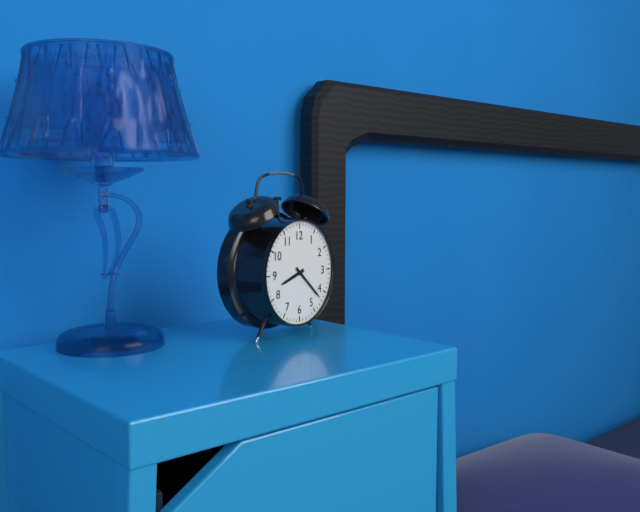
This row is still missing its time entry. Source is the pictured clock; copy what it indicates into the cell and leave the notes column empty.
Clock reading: 8:22
